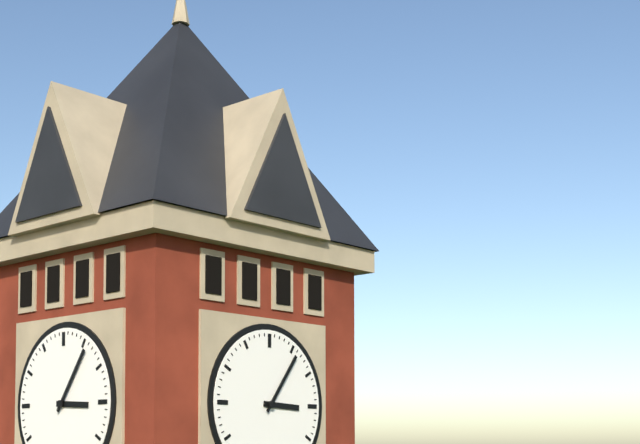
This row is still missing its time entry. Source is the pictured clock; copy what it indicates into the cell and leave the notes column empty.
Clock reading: 3:06
